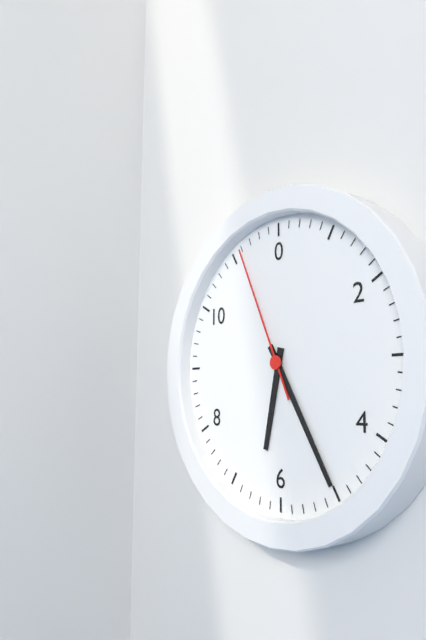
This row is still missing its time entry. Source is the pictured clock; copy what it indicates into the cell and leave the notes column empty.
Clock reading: 6:25:56
